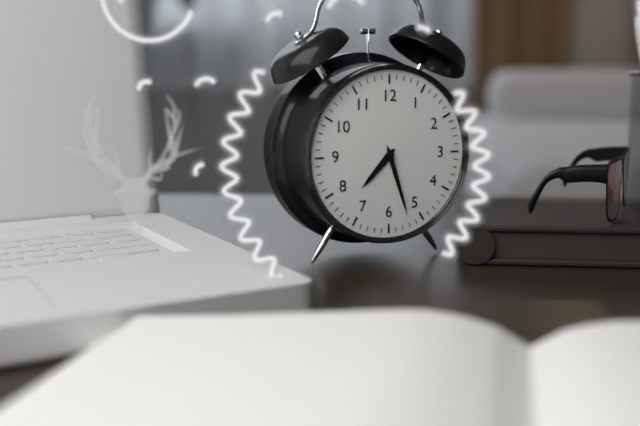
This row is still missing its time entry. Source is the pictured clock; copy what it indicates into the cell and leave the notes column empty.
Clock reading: 7:27
